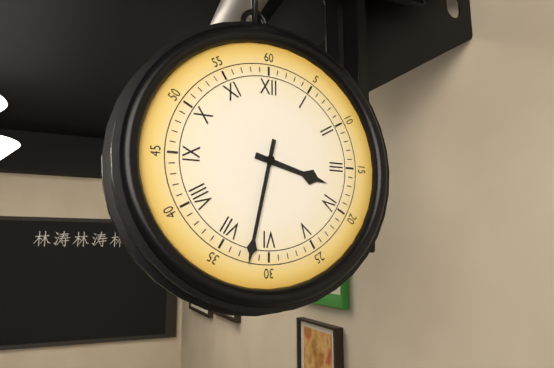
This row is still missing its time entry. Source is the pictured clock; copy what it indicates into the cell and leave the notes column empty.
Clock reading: 3:32
